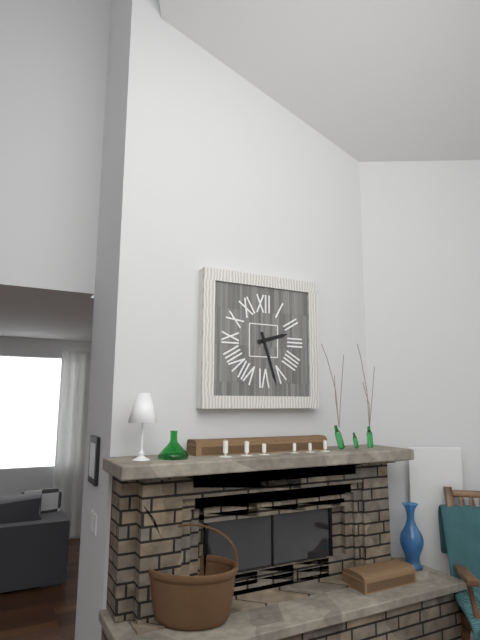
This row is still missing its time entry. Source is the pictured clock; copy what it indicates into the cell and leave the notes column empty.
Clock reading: 2:27
